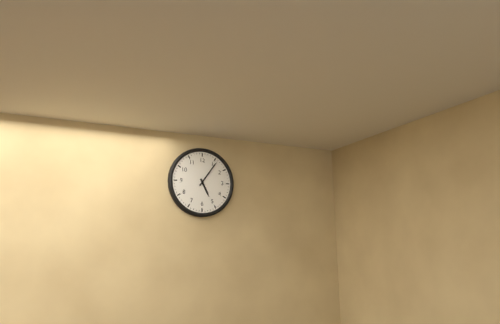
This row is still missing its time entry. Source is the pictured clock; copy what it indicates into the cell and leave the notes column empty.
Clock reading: 5:06
